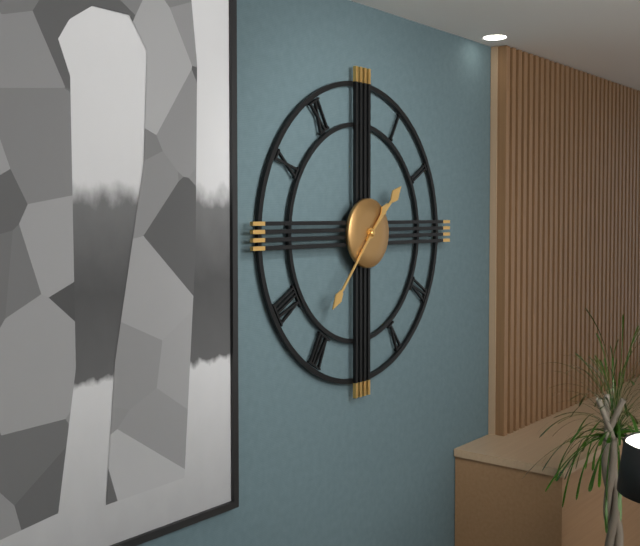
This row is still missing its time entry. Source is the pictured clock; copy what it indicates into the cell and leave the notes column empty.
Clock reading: 1:37
